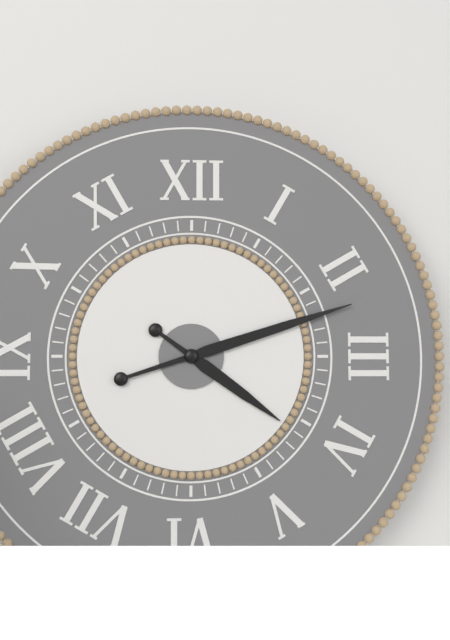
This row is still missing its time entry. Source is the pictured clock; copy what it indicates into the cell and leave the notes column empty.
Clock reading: 4:12
